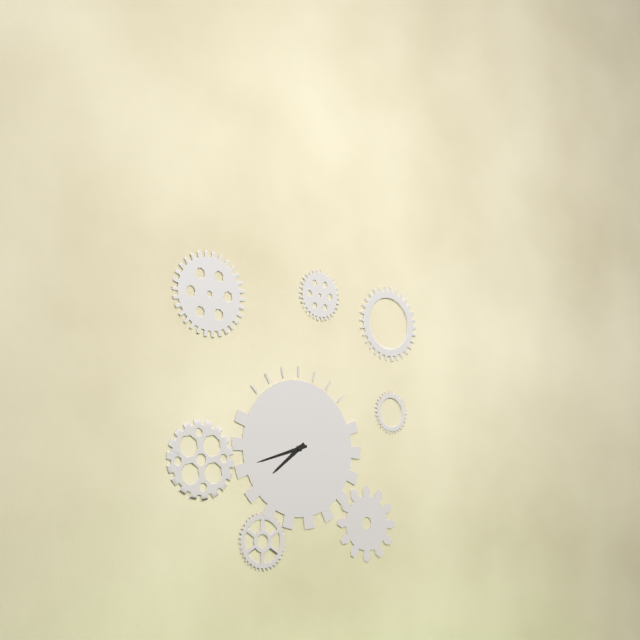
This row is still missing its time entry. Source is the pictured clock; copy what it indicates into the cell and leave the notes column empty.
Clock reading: 7:42
